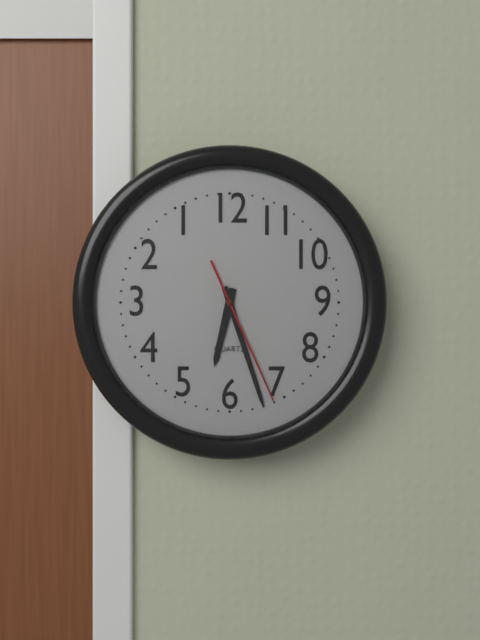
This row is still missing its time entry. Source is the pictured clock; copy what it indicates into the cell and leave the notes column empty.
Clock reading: 6:27:26
